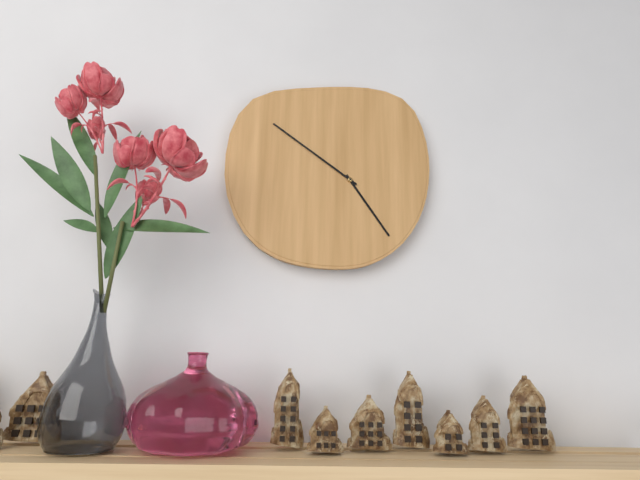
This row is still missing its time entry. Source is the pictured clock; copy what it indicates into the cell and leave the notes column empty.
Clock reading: 4:51
